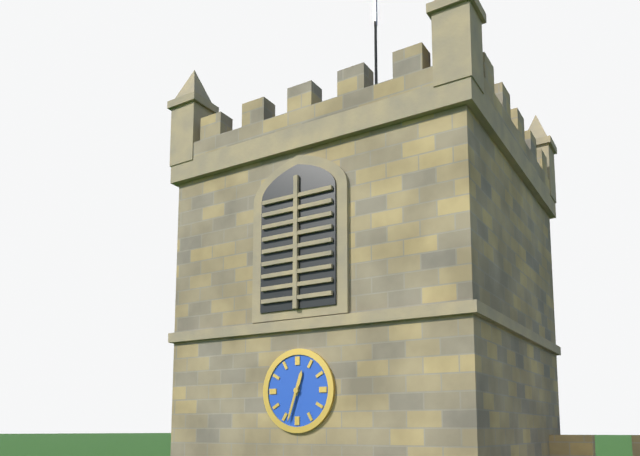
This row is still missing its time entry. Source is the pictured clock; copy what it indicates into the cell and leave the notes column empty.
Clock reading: 12:33
